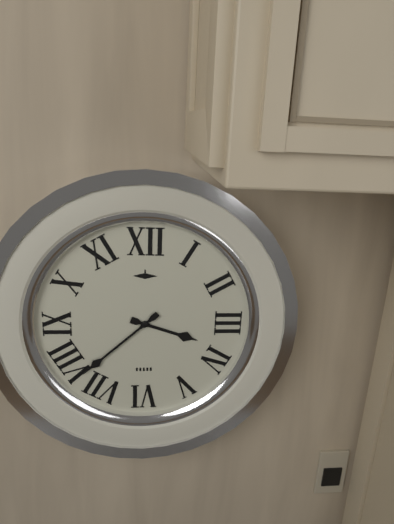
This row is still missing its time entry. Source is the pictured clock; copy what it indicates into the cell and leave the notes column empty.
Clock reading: 3:38
